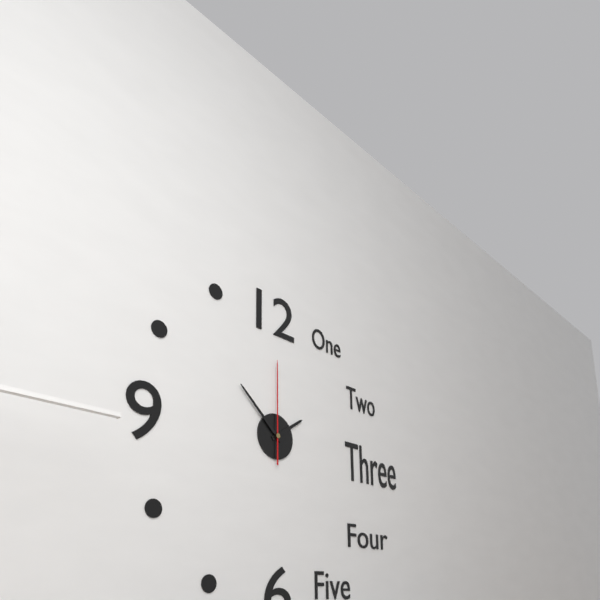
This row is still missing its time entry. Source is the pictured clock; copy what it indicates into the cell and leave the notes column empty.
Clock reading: 1:52:00
